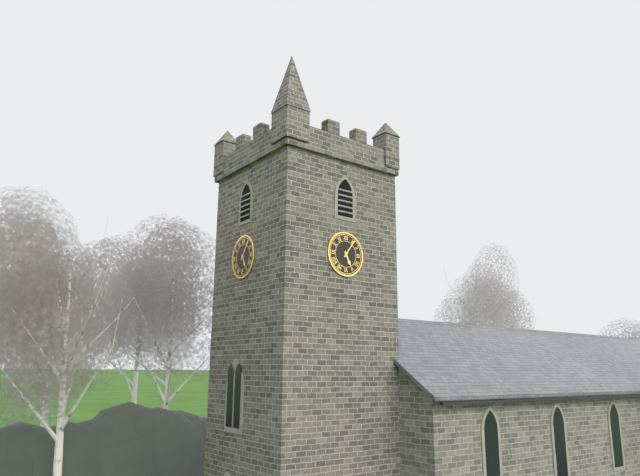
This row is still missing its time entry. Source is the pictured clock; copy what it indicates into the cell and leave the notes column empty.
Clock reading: 5:06
